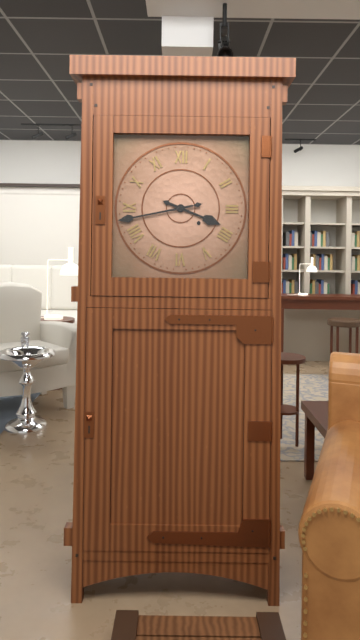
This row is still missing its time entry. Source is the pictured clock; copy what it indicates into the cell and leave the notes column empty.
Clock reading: 3:43
